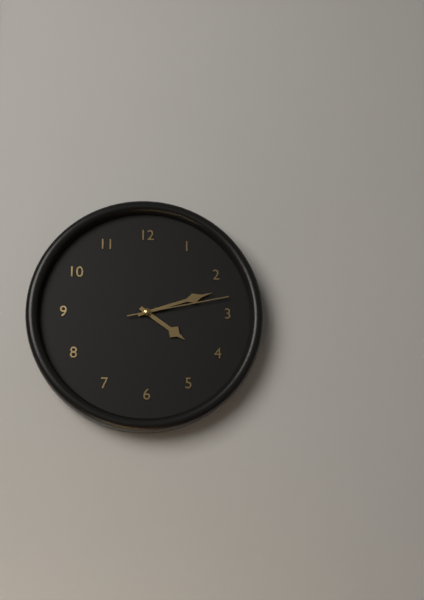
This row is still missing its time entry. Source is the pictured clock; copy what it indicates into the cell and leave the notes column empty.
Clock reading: 4:12:13
